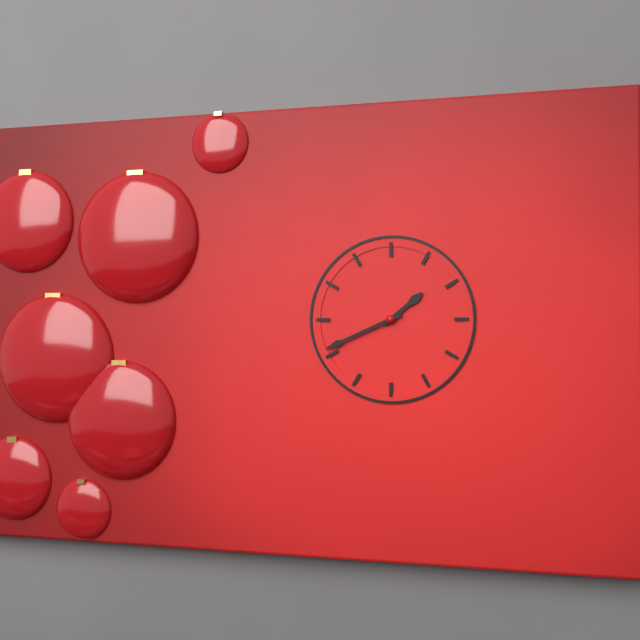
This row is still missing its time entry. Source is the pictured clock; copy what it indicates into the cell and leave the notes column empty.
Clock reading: 1:41
